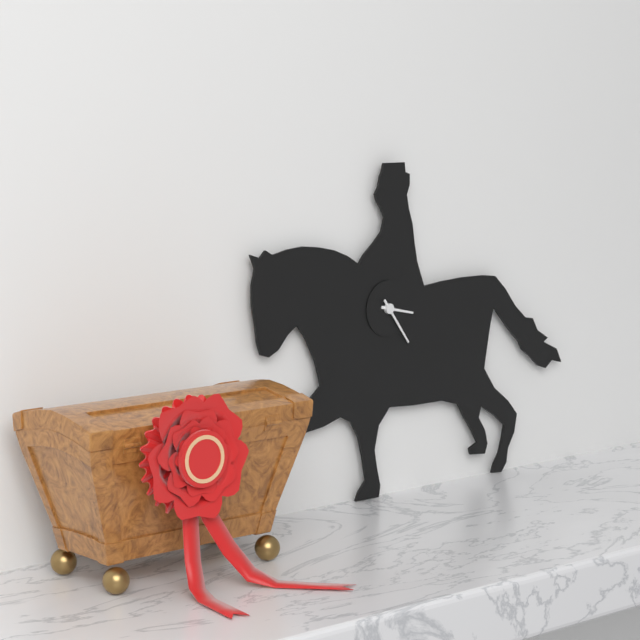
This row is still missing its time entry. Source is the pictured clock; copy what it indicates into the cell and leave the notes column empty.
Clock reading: 3:24
